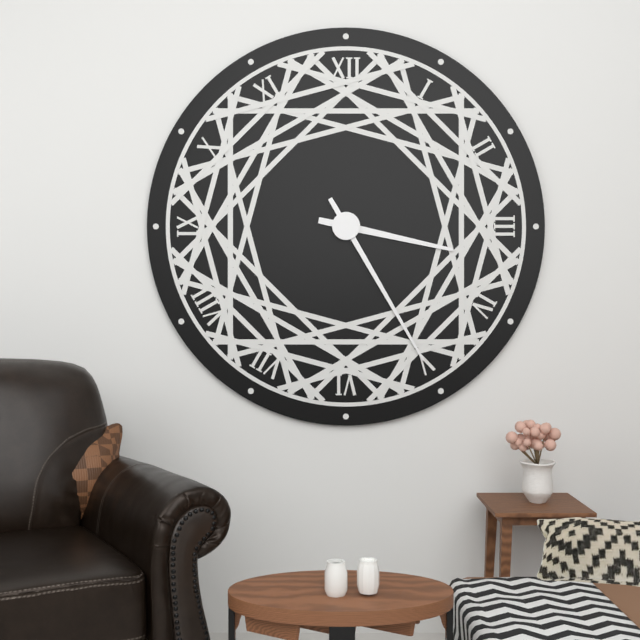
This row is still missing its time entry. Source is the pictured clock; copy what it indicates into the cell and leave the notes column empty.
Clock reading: 3:25
